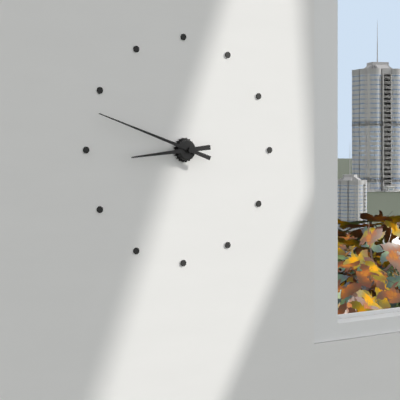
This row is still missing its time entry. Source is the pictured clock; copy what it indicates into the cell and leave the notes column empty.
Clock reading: 8:48
